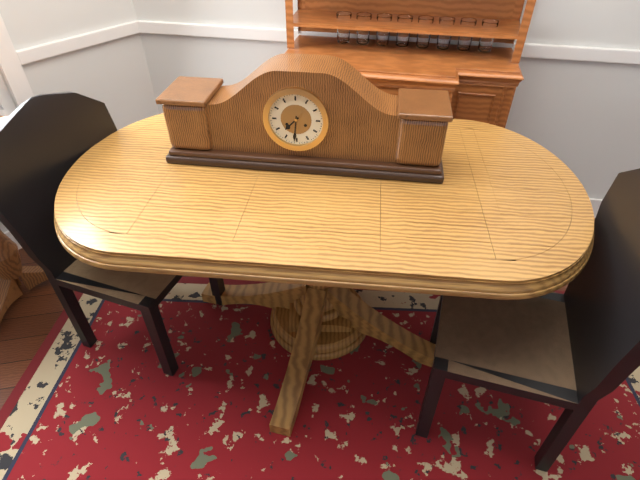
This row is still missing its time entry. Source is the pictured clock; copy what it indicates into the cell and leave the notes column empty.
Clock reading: 7:31
